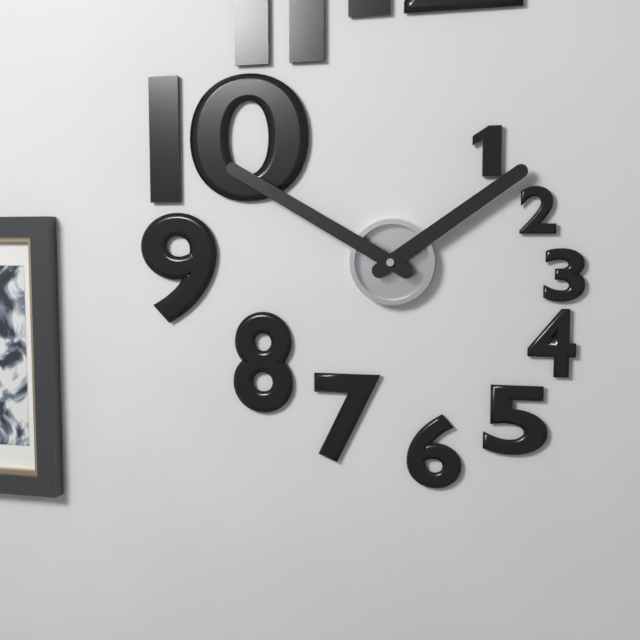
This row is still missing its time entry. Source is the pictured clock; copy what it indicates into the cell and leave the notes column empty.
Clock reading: 1:50
